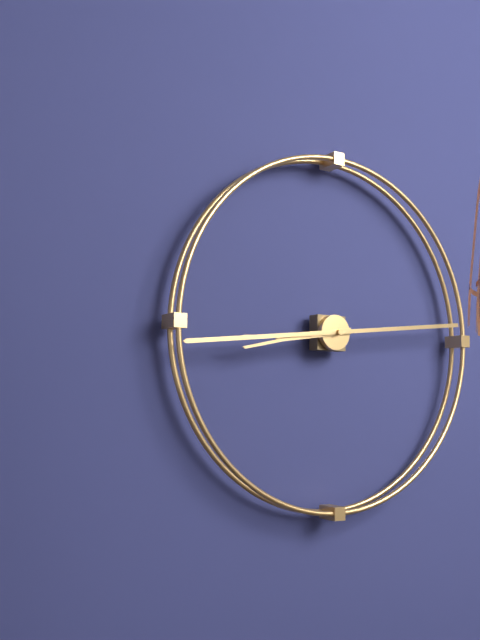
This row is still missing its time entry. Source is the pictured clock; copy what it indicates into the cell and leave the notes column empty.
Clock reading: 8:44
